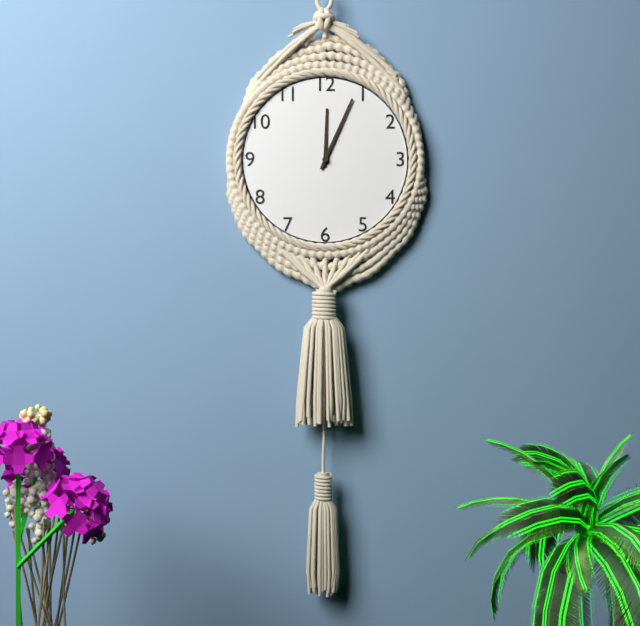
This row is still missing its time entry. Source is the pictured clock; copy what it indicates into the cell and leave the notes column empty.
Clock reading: 12:04
